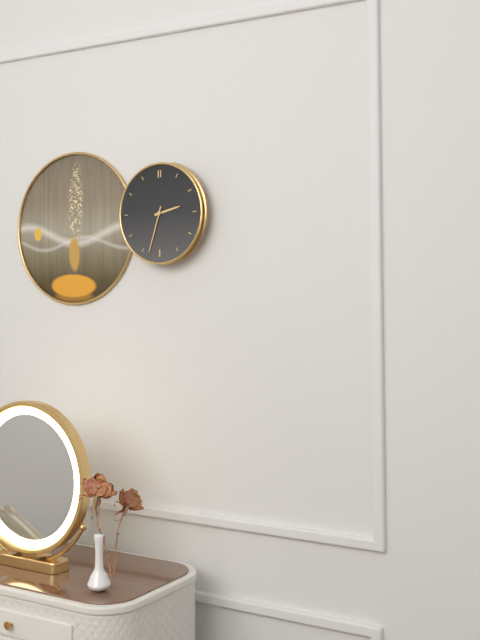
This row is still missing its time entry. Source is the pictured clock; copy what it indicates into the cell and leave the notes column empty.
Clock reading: 2:33
